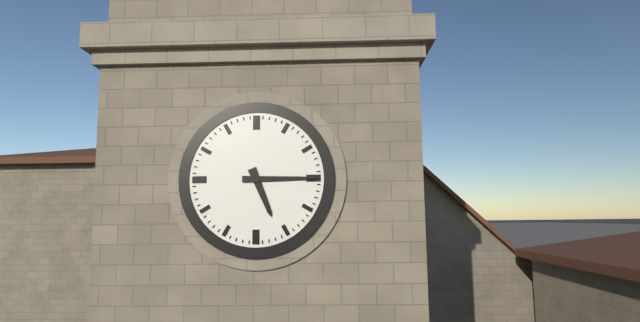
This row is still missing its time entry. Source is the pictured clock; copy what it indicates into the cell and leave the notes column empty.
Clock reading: 5:15
